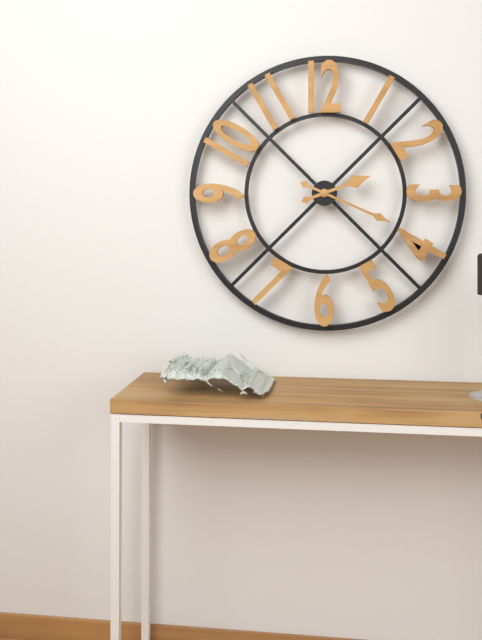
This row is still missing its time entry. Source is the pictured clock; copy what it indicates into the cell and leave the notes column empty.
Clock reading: 2:19
